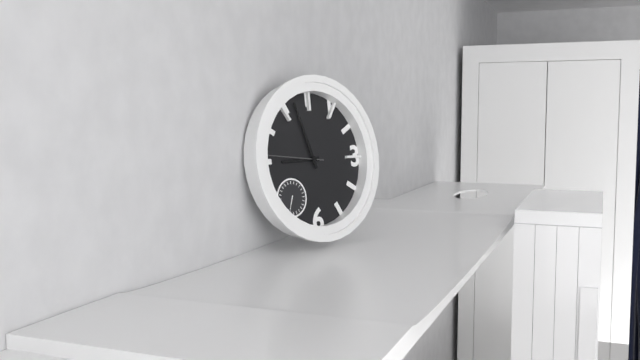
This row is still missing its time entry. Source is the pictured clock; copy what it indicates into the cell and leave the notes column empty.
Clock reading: 8:57:46
